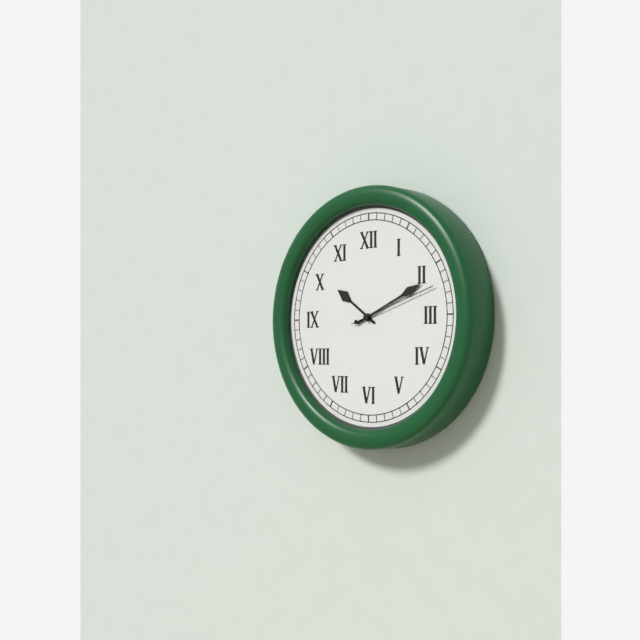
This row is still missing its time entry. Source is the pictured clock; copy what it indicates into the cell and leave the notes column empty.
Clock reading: 10:11:12
